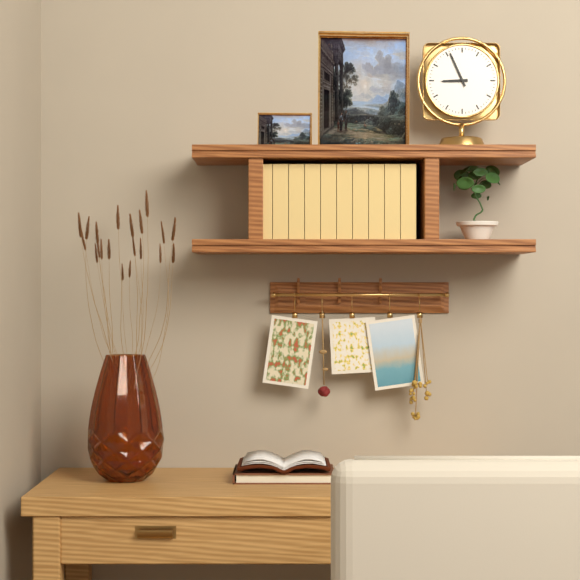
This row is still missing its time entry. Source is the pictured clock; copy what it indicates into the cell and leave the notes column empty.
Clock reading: 8:56
